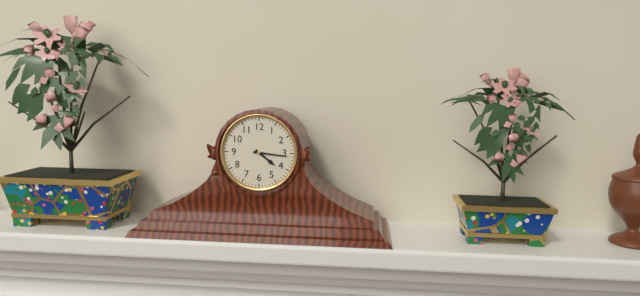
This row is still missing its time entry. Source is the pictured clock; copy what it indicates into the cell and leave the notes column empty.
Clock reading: 4:16
